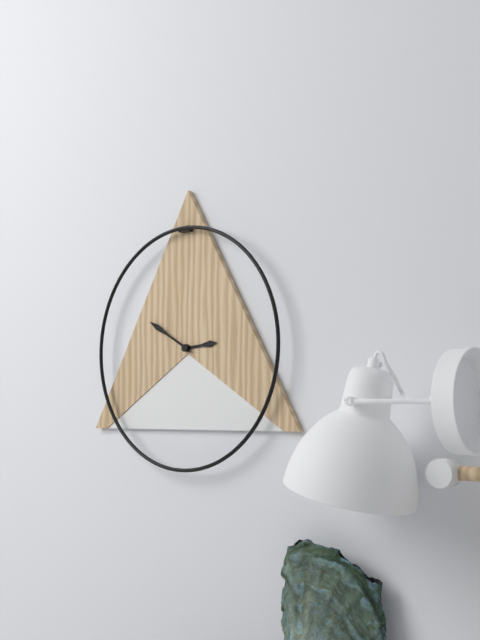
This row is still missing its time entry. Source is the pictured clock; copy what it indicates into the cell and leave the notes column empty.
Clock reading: 2:50
